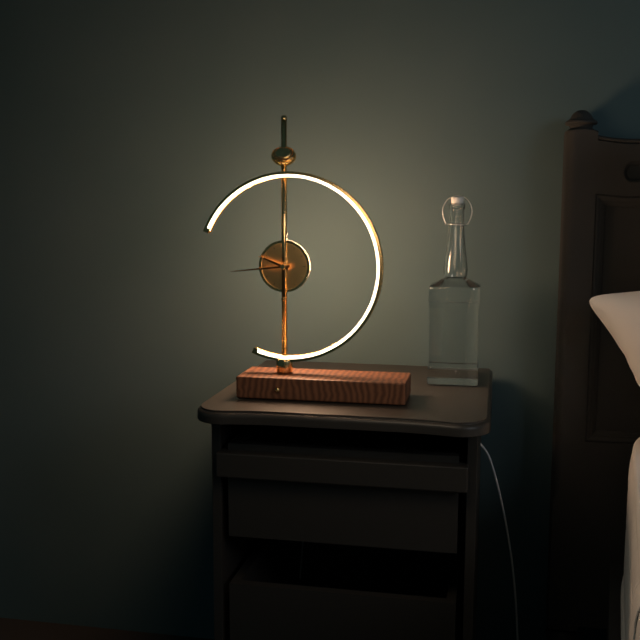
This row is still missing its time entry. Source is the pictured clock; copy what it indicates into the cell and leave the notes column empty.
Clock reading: 9:44
